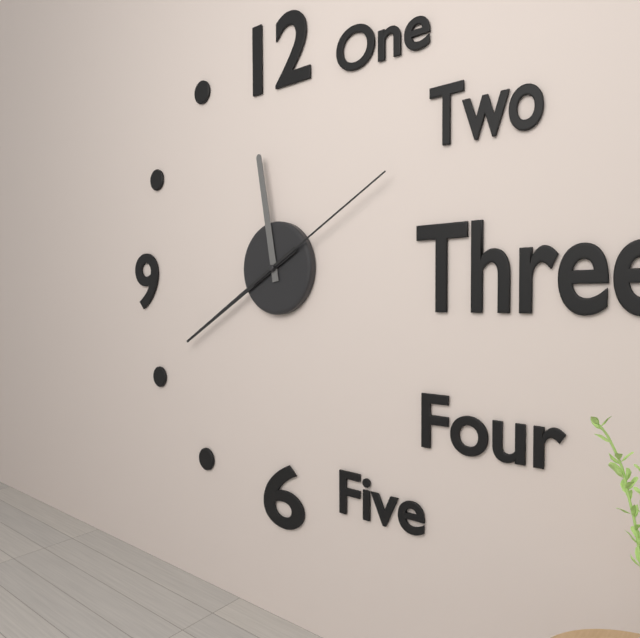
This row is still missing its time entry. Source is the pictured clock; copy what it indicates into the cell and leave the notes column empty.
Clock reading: 11:40:10
